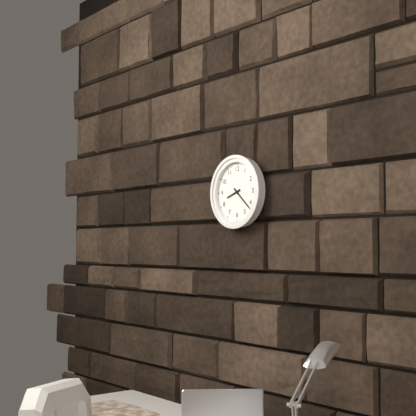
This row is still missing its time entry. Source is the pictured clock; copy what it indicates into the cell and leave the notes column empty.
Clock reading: 8:22
